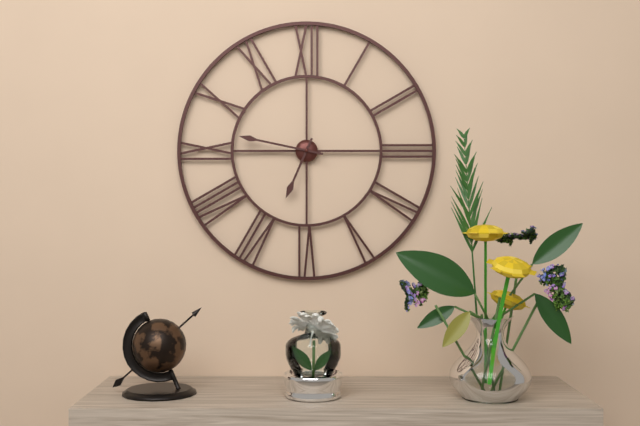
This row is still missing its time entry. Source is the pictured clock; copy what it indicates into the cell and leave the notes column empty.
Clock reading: 6:47
